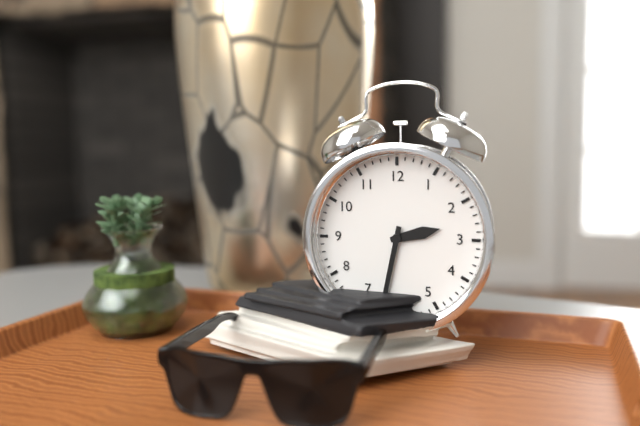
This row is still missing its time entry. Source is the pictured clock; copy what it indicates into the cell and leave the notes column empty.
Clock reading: 2:32
